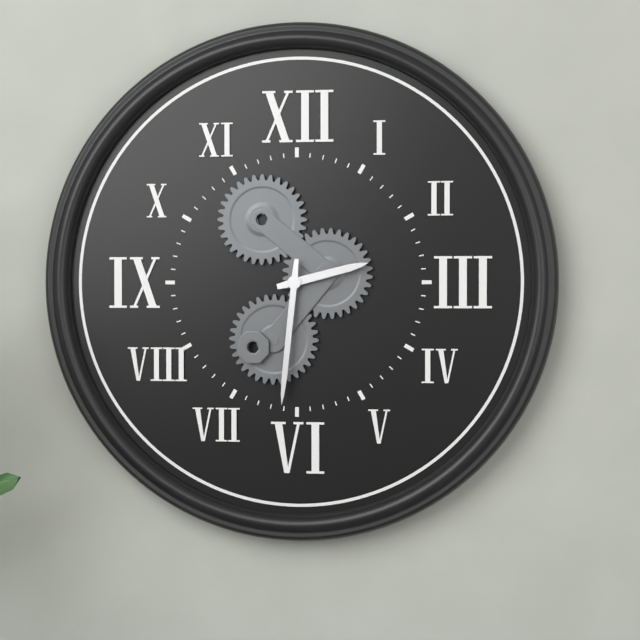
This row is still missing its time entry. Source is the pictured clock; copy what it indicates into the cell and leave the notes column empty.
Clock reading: 2:31
